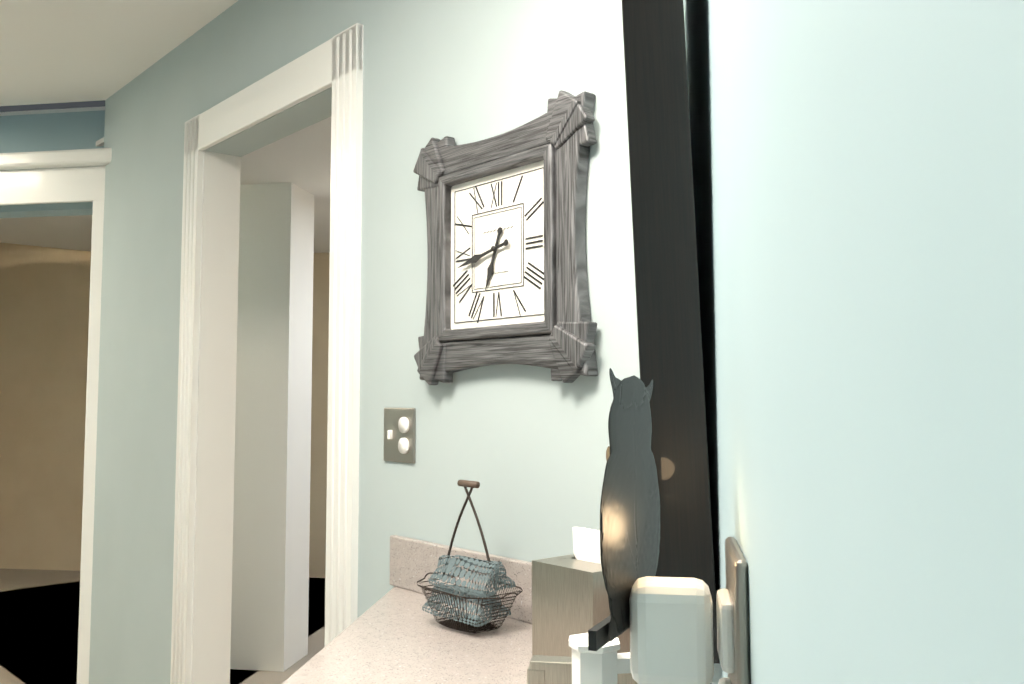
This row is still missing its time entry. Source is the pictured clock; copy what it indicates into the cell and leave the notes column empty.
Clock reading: 6:43
